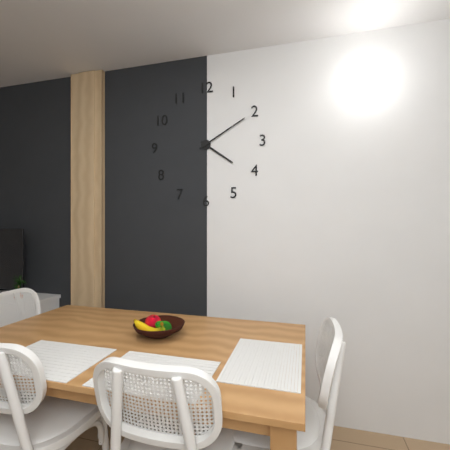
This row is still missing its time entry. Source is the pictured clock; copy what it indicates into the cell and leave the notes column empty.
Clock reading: 4:10
